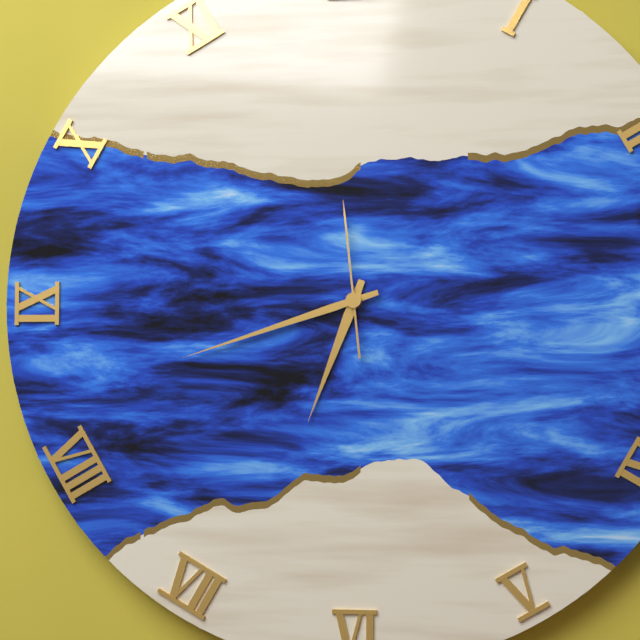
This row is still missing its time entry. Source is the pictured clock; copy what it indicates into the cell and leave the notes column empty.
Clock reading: 6:42:59
